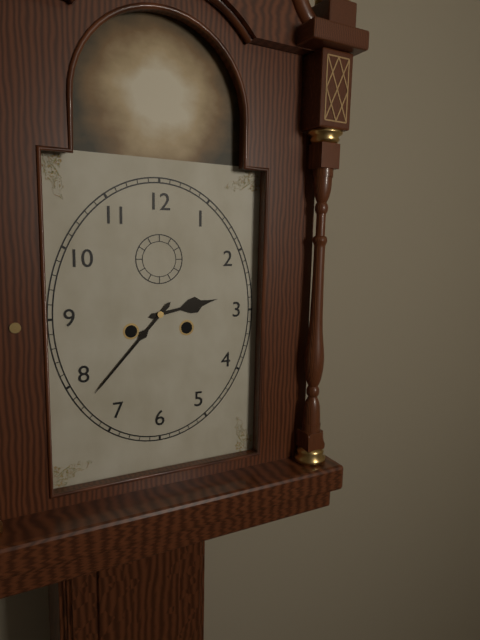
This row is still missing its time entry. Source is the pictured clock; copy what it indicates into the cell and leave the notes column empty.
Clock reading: 2:37
